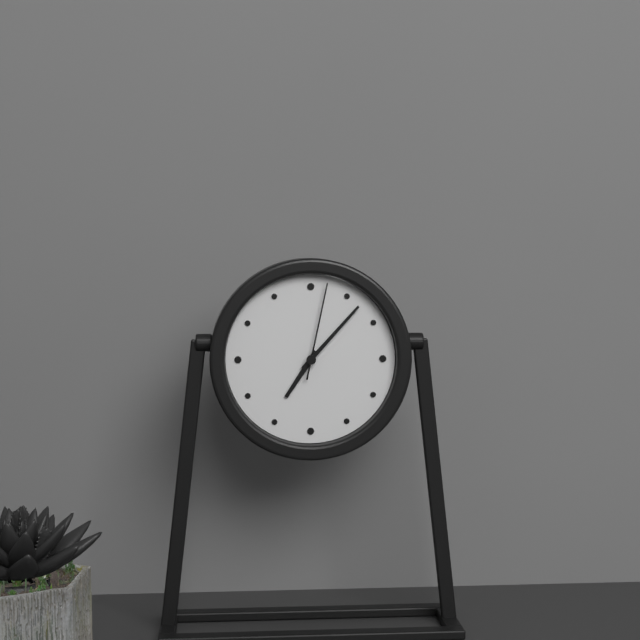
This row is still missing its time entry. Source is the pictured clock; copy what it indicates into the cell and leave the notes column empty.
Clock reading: 7:07:02
